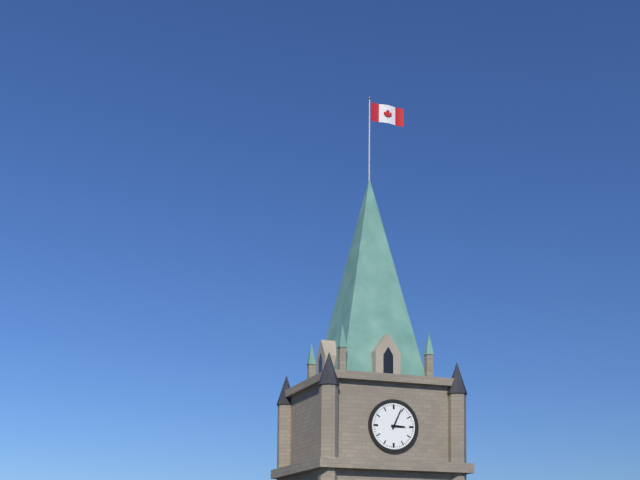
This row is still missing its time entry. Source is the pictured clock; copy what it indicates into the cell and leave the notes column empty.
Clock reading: 3:04
